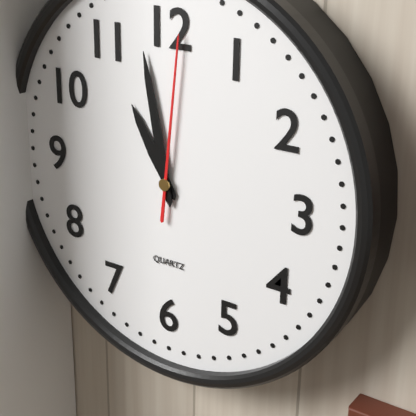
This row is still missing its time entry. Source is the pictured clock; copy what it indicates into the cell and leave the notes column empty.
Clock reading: 10:58:01
